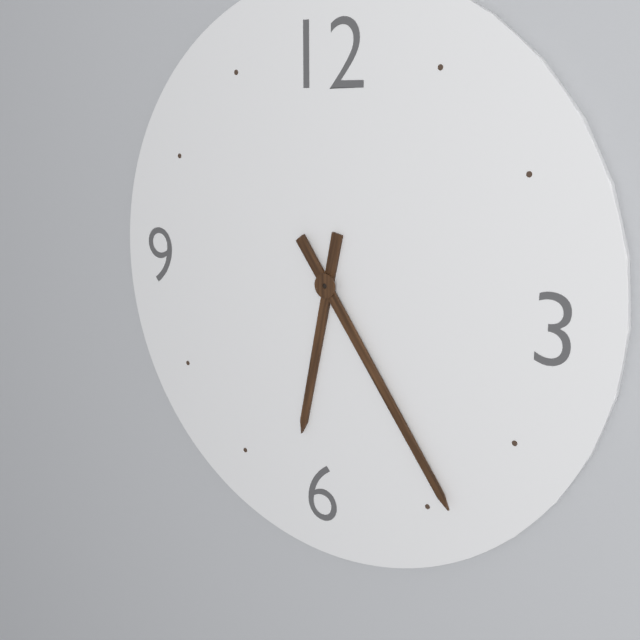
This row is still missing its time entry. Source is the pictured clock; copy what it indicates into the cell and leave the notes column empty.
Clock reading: 6:24
